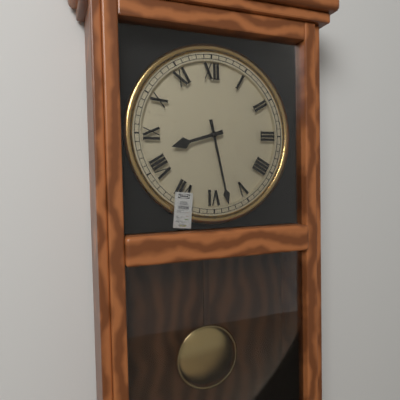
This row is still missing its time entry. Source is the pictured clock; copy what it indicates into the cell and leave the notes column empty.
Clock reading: 8:28
